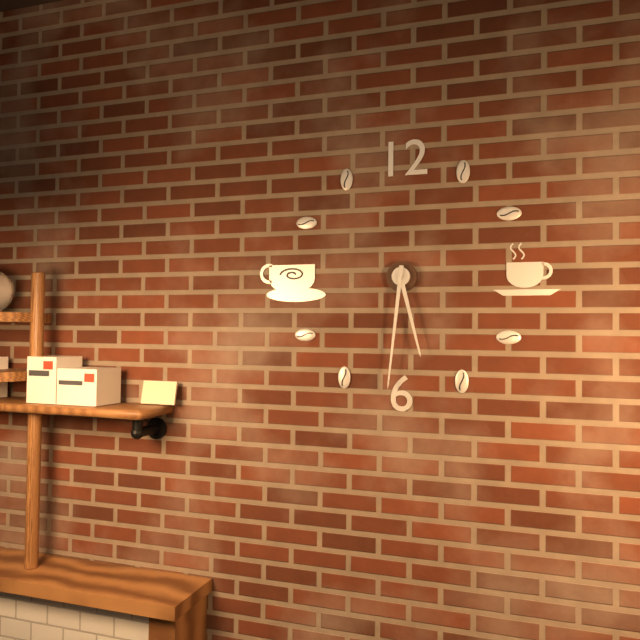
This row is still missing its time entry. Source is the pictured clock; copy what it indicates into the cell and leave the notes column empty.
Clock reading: 5:31
